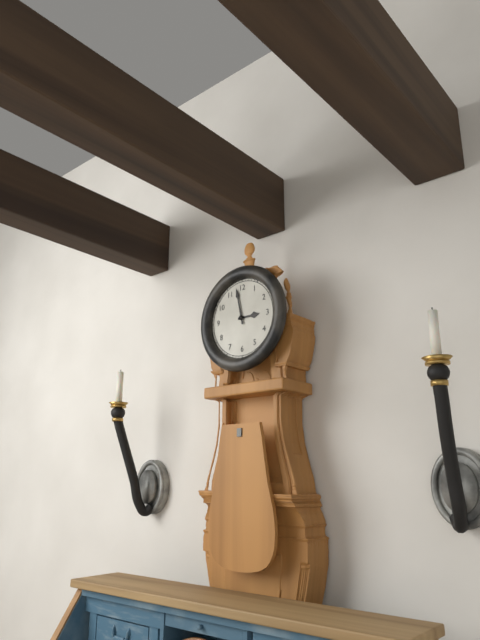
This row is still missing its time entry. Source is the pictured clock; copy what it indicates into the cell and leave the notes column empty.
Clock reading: 2:58
